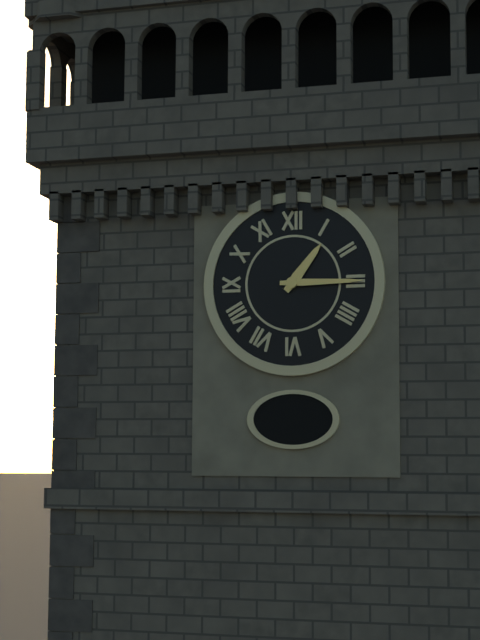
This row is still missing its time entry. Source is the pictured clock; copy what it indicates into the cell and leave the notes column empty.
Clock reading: 1:15
